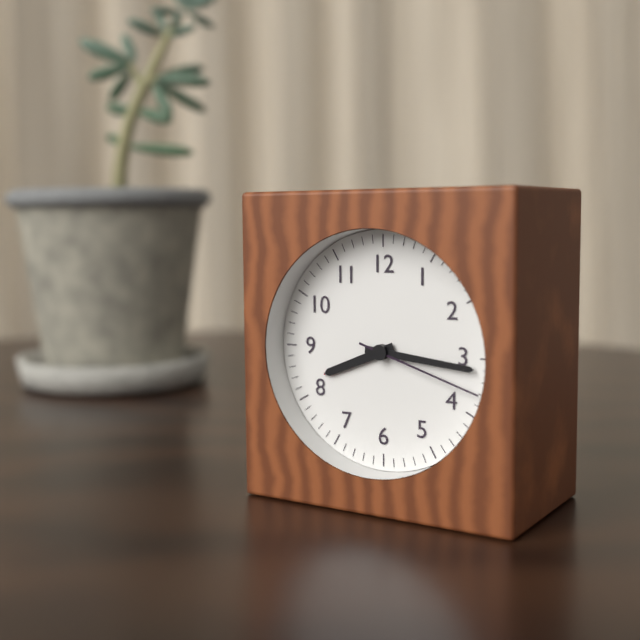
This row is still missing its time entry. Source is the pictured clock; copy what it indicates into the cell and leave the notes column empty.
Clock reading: 8:16:18
